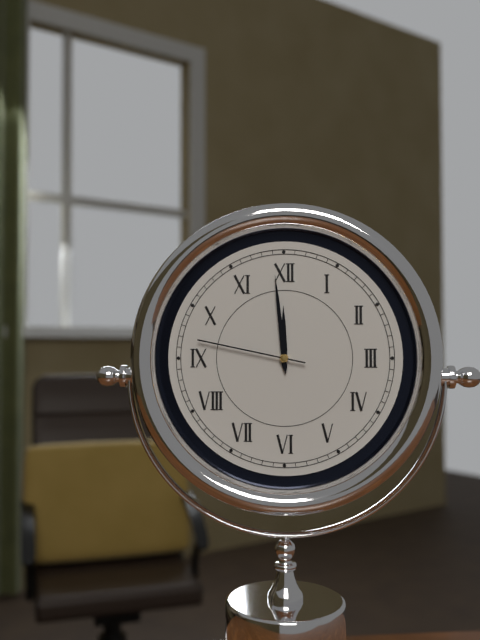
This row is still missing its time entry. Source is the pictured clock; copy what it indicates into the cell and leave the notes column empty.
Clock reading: 11:59:47
